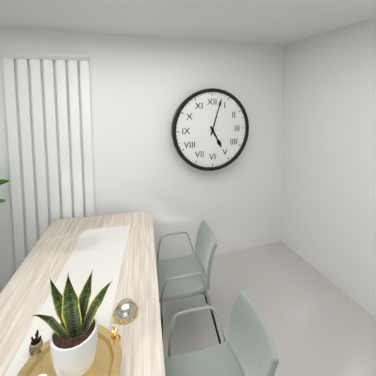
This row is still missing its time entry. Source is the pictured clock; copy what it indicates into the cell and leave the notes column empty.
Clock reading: 5:03
